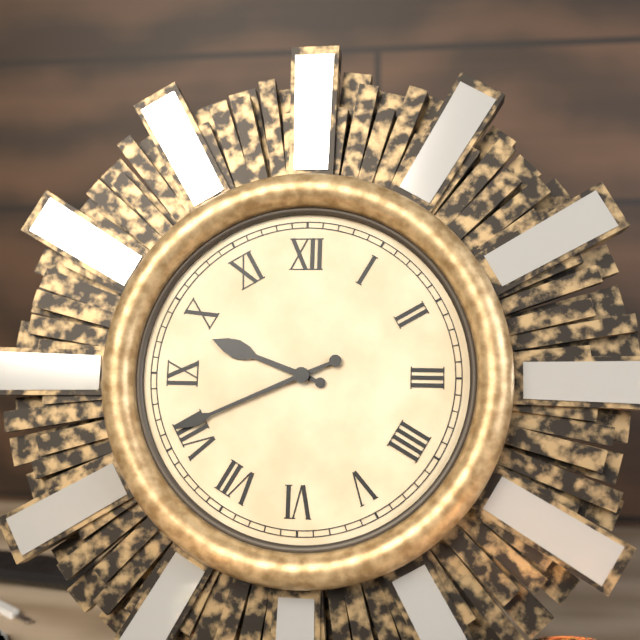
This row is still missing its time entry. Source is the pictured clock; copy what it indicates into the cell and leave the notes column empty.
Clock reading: 9:41
